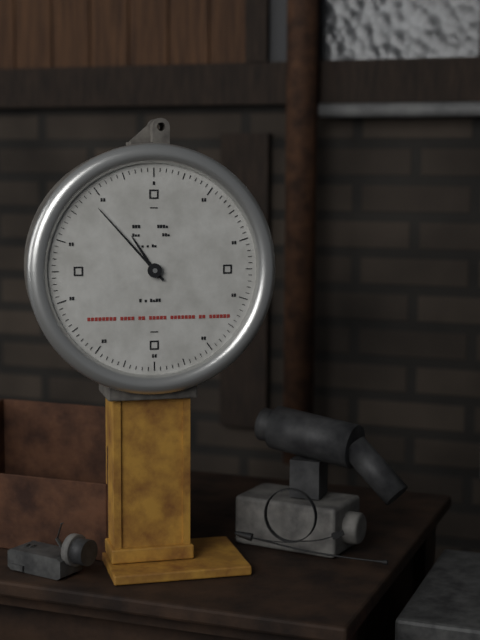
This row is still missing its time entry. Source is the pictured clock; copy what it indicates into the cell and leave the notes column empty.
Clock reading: 10:53
